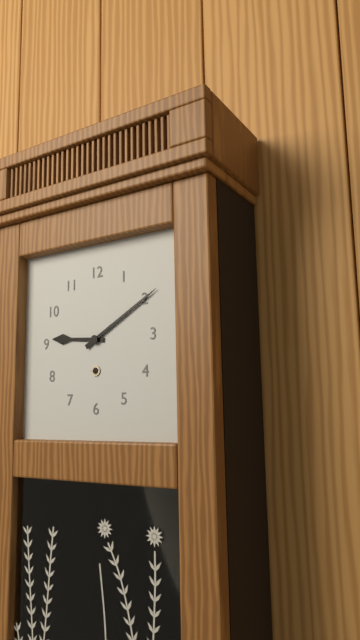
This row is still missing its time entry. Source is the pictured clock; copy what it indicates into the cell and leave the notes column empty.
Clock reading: 9:10
